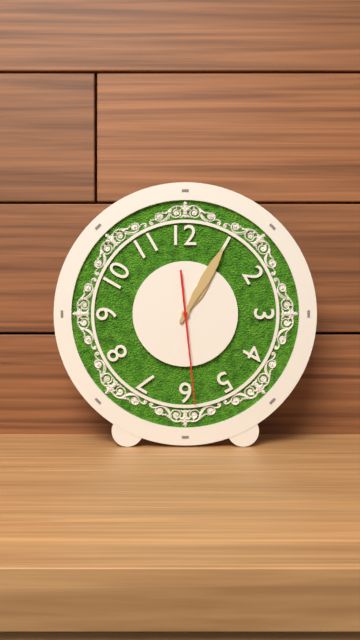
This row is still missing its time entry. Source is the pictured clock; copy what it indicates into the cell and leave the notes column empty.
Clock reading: 1:05:29
